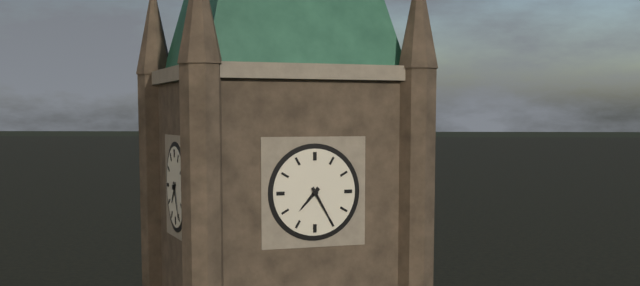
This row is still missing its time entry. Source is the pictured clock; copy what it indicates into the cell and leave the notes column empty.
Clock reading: 7:25
